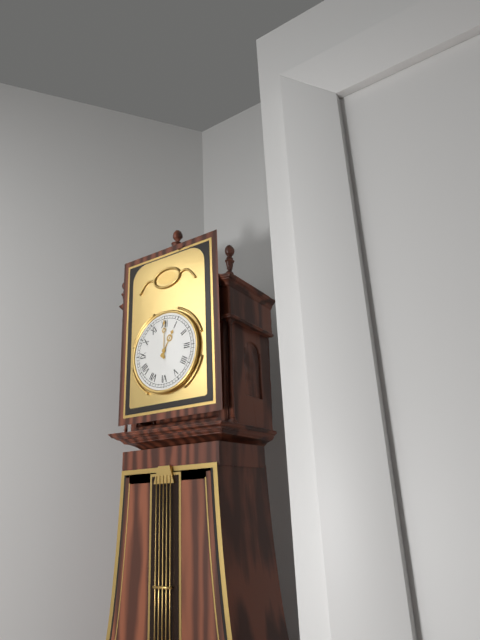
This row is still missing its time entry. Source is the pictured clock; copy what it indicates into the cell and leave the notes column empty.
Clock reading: 1:00
